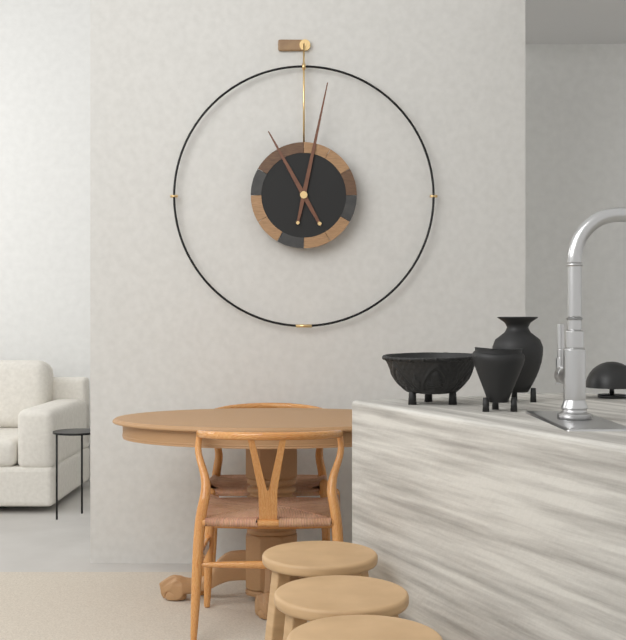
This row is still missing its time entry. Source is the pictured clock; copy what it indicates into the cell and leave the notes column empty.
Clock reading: 11:02
